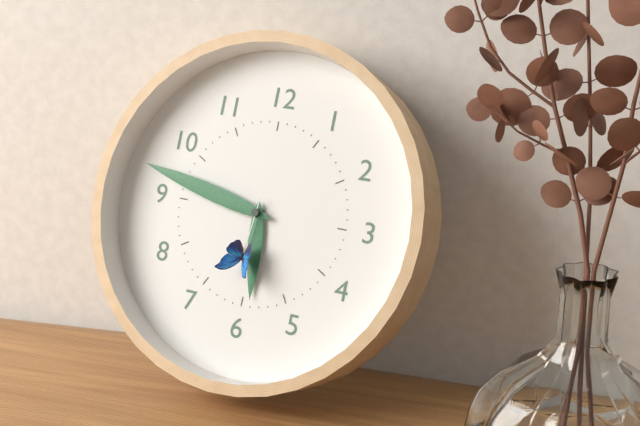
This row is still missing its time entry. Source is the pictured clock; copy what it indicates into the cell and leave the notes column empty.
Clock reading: 5:47:31
